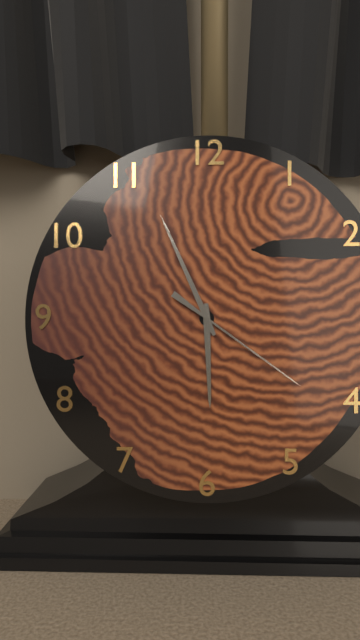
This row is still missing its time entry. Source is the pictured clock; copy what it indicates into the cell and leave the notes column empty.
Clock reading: 5:56:21
